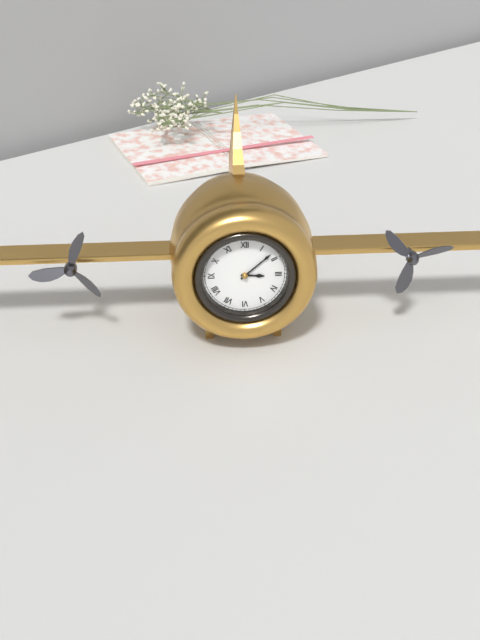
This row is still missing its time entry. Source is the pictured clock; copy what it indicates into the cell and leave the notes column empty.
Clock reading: 3:08
